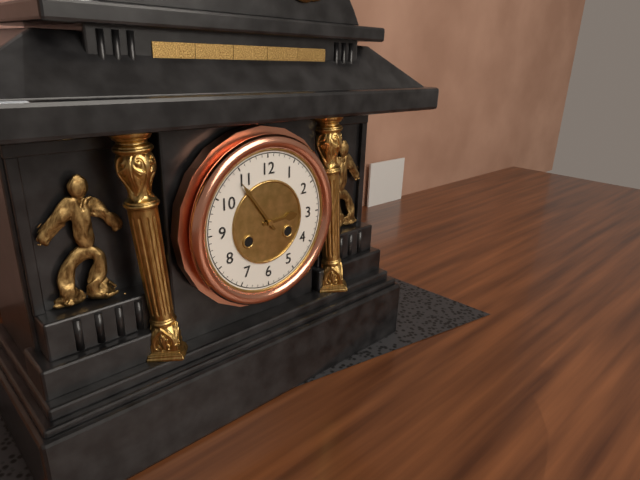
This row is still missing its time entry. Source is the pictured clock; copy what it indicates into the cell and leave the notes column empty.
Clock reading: 2:54
